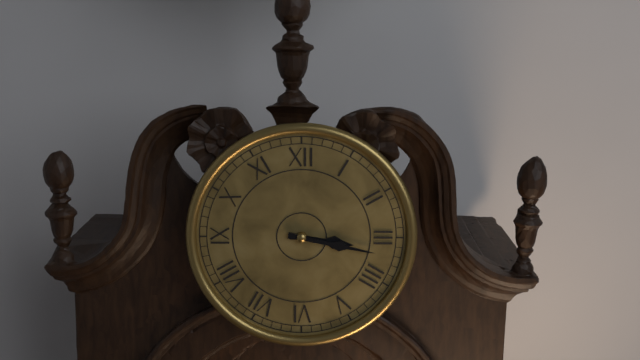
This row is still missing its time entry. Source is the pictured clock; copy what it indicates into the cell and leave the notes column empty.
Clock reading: 3:17
